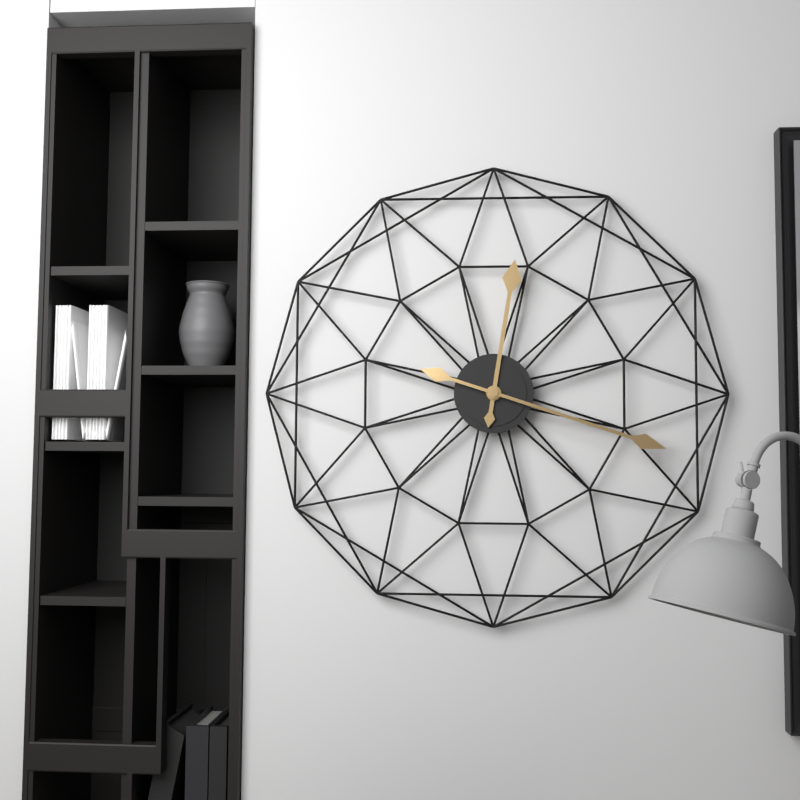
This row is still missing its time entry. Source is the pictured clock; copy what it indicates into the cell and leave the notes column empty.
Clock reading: 12:18
